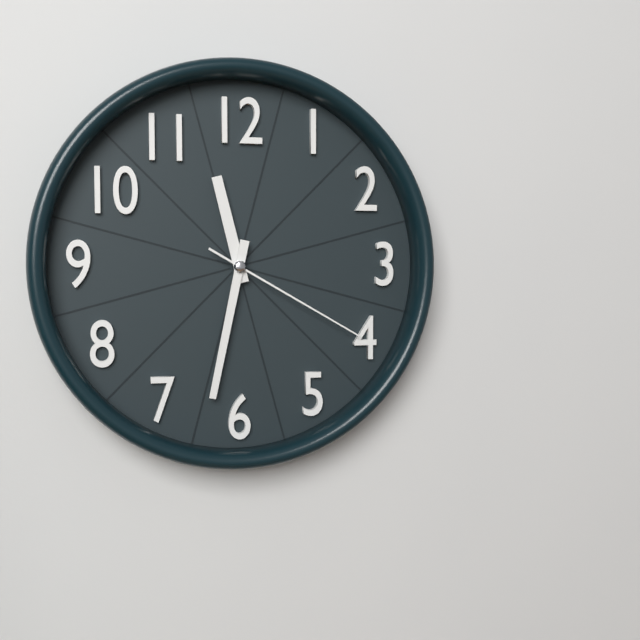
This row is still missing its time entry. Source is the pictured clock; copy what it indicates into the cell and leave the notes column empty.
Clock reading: 11:32:20
